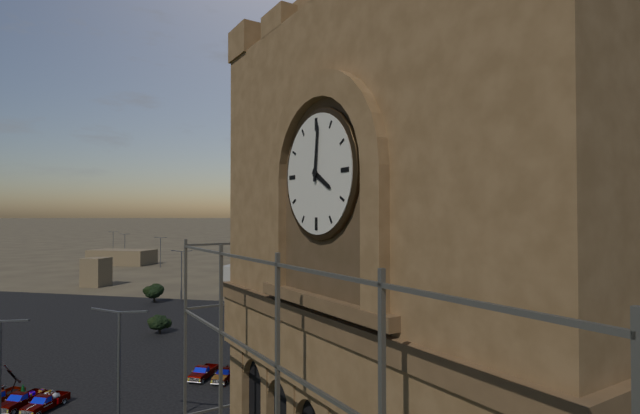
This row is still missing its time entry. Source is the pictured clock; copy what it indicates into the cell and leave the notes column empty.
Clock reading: 4:01
